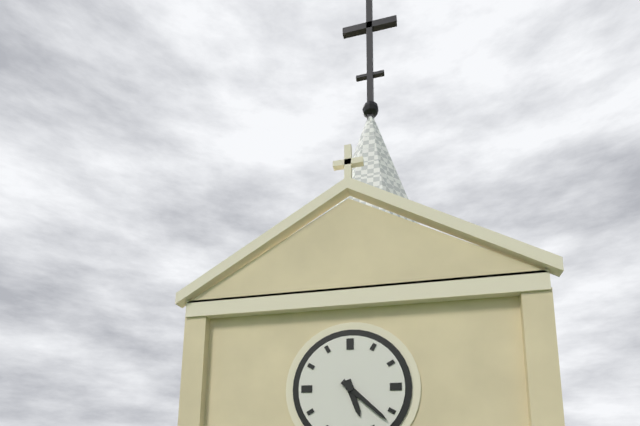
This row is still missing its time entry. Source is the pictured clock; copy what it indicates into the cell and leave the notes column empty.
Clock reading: 5:22
